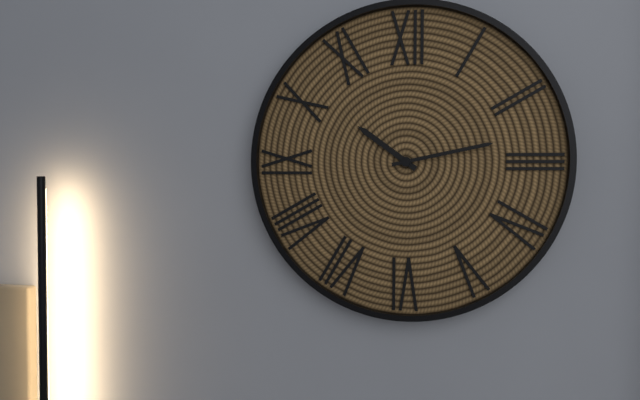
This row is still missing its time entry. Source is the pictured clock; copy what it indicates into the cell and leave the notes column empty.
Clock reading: 10:13
